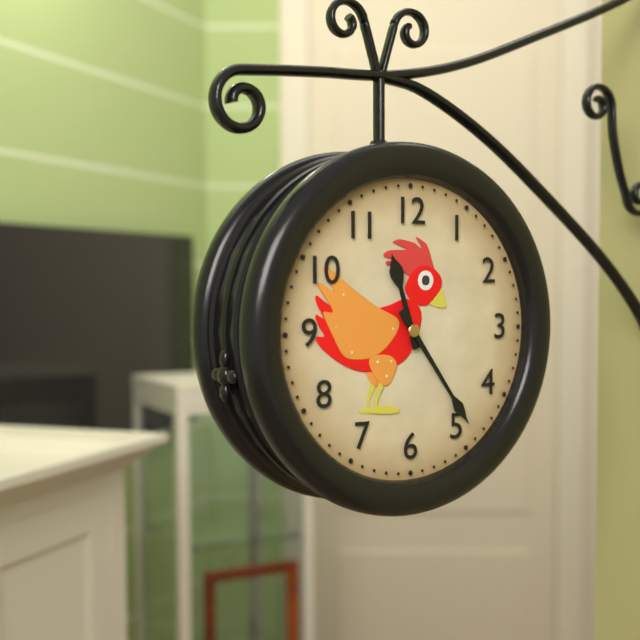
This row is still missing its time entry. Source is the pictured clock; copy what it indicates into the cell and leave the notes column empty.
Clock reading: 11:24
